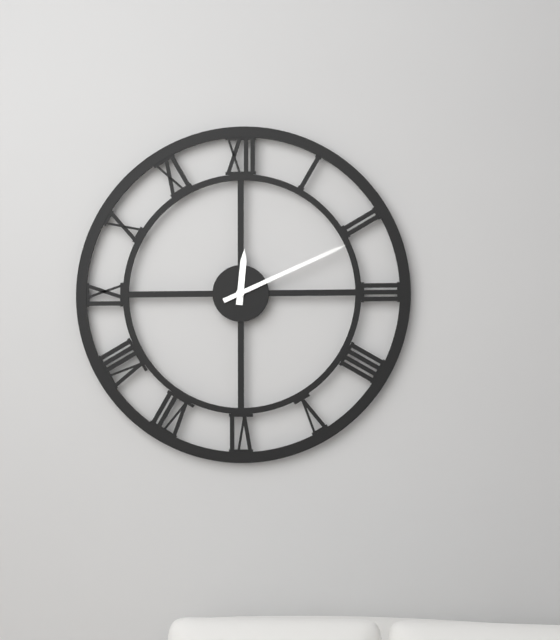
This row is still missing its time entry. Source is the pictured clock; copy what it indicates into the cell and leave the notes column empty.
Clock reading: 12:11
